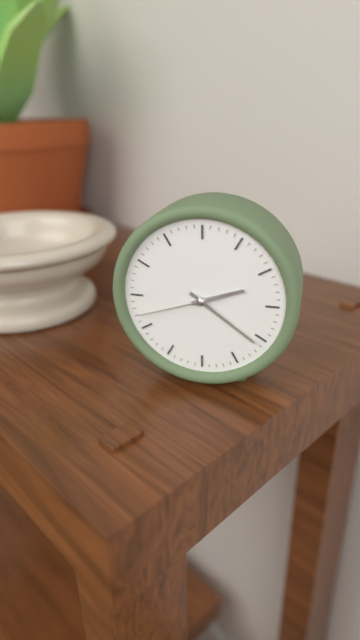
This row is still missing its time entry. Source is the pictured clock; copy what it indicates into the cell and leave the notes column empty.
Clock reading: 2:21:42
